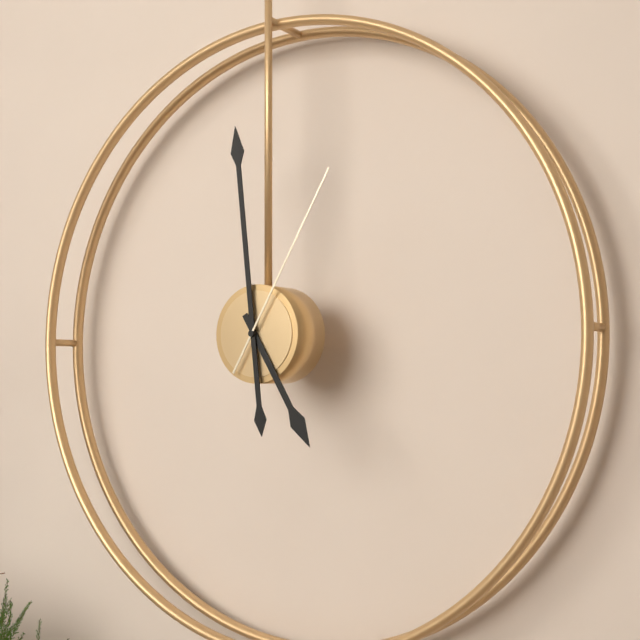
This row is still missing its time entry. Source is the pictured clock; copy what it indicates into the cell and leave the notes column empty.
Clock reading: 4:59:05
